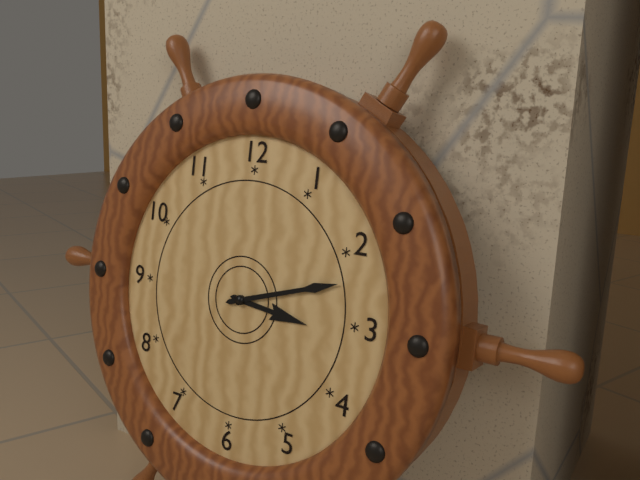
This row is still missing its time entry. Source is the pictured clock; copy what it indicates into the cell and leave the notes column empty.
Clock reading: 3:12
